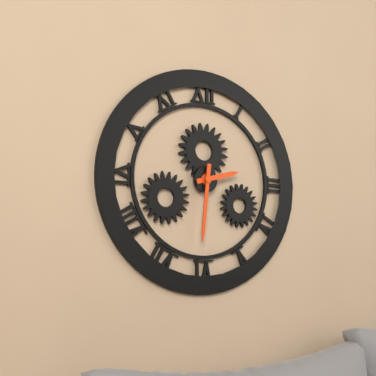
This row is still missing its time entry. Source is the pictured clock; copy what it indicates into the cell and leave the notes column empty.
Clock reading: 2:31
